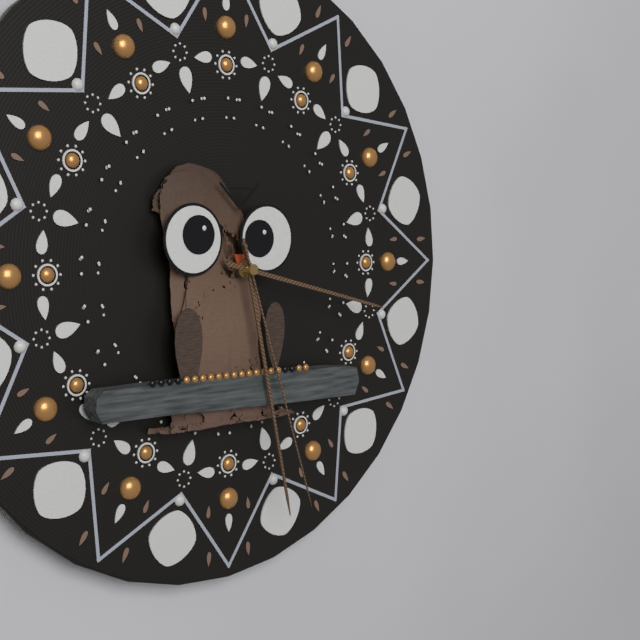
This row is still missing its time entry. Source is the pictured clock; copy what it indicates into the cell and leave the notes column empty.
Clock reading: 3:28:27
